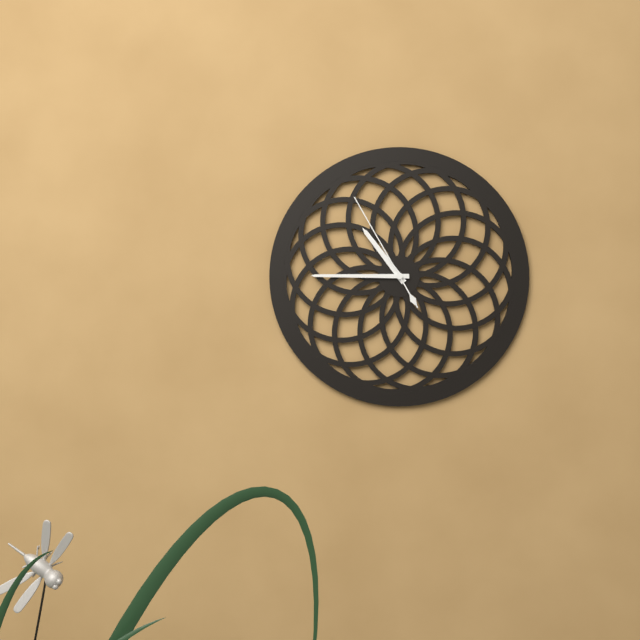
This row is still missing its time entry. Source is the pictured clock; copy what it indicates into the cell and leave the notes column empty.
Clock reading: 10:45:55
